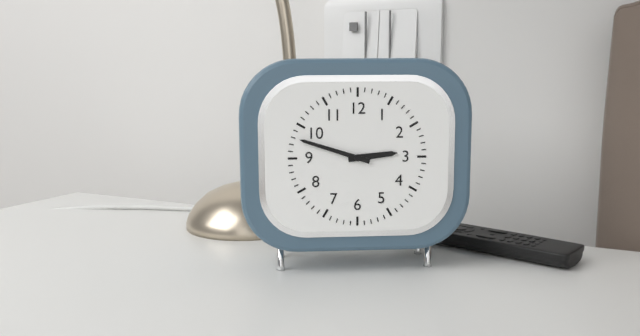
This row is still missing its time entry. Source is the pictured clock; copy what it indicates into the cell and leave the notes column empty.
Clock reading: 2:48
